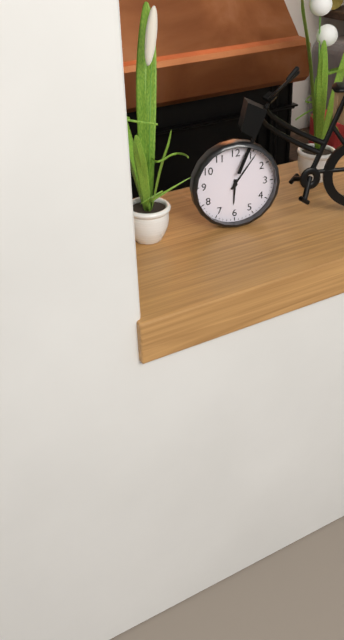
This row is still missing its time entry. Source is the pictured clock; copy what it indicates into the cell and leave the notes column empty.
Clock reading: 6:06
